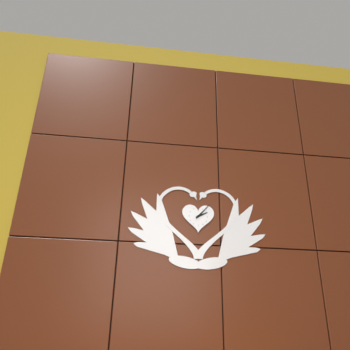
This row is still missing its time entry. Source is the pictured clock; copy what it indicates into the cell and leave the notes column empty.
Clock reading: 2:07
